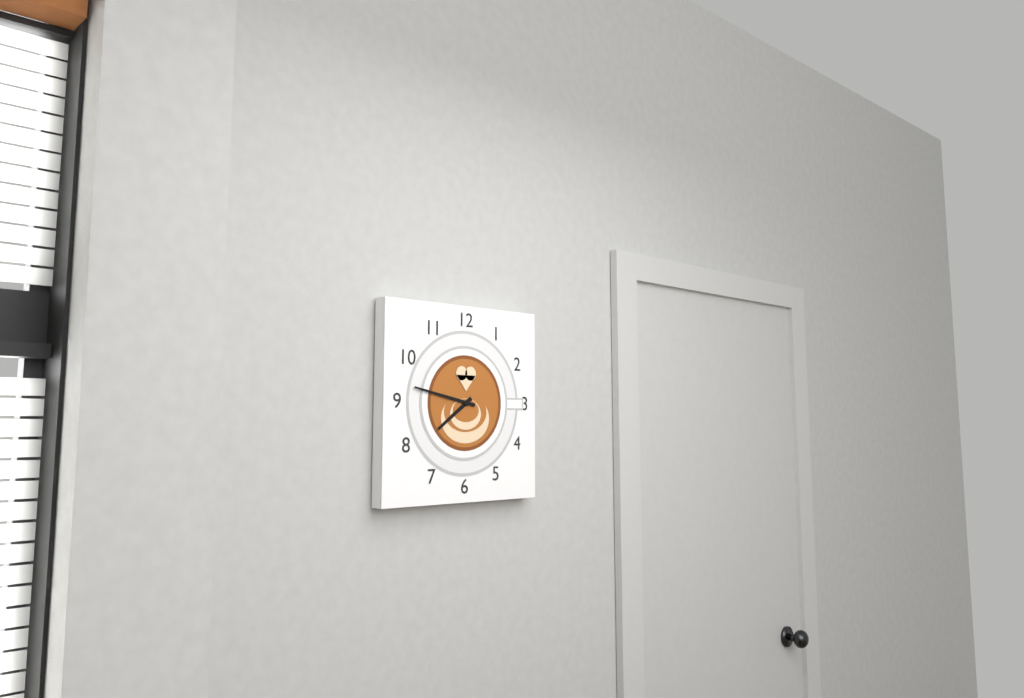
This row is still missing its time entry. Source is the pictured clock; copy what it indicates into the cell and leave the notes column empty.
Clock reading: 7:47
